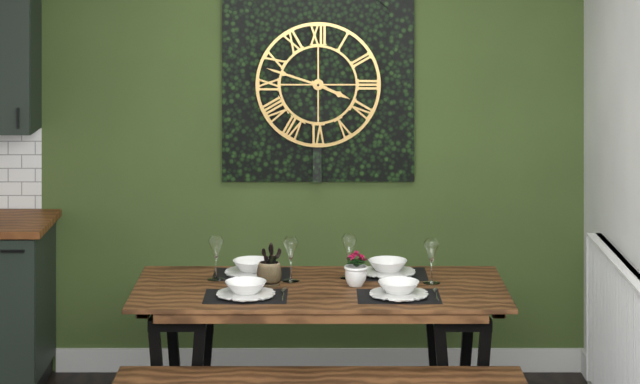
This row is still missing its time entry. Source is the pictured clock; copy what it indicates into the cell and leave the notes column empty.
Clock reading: 3:48
